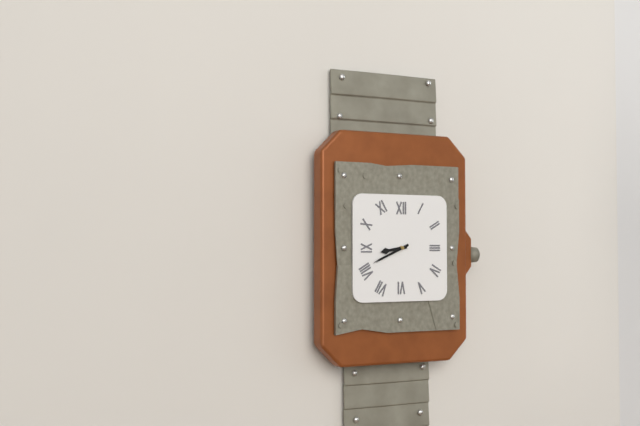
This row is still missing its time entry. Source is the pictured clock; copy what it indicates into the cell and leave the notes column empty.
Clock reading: 8:41
